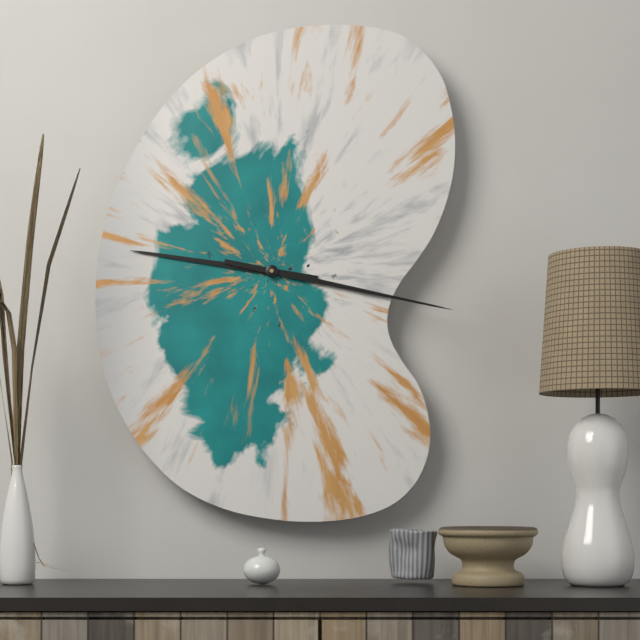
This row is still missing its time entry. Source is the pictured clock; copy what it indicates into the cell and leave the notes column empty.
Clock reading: 9:17
